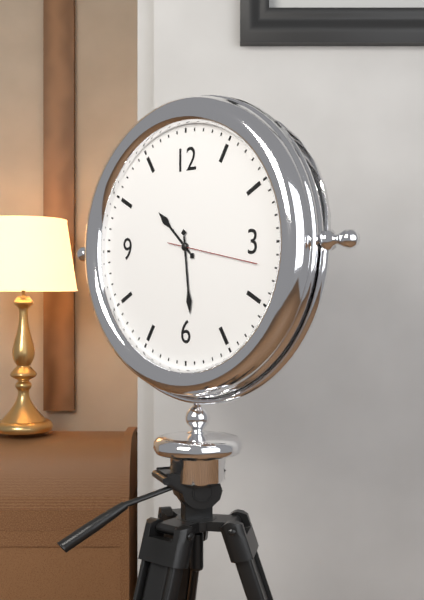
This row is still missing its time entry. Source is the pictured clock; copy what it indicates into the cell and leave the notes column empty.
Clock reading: 10:29:17
